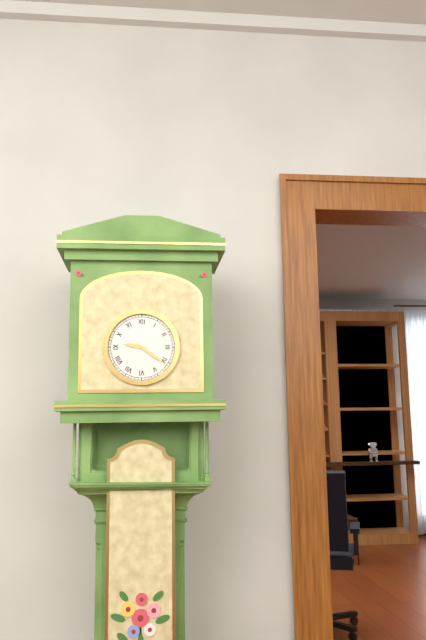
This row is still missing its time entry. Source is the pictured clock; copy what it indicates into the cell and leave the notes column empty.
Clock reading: 9:21
